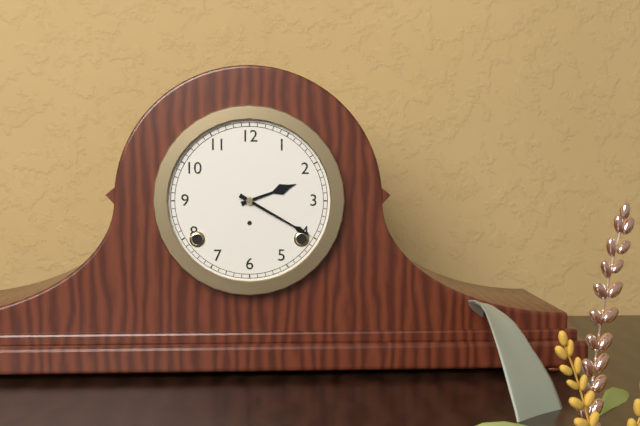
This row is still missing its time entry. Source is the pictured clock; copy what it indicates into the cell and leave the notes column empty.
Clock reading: 2:20
